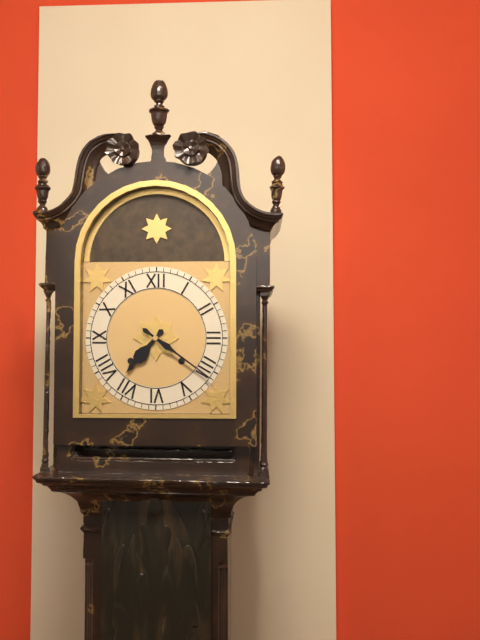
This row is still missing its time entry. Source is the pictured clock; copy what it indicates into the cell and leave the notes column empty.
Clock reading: 7:21
